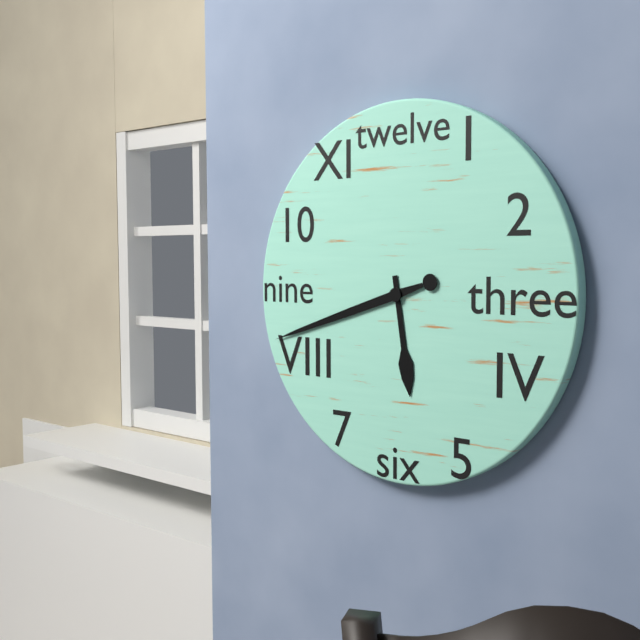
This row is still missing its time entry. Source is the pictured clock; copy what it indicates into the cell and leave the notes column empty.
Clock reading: 5:42
